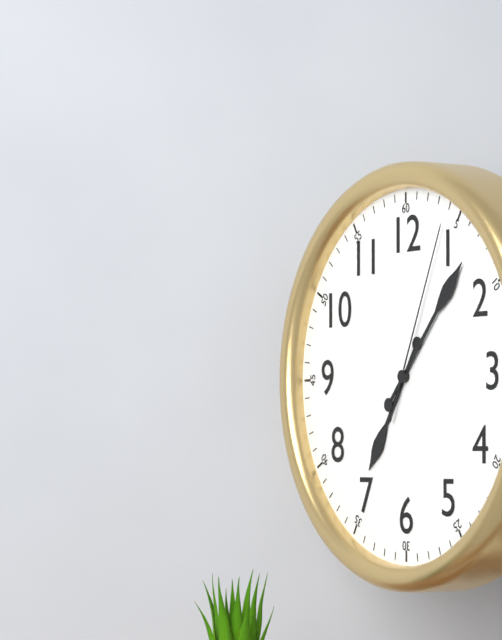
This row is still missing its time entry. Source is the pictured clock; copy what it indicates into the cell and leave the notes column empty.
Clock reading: 7:07:04
